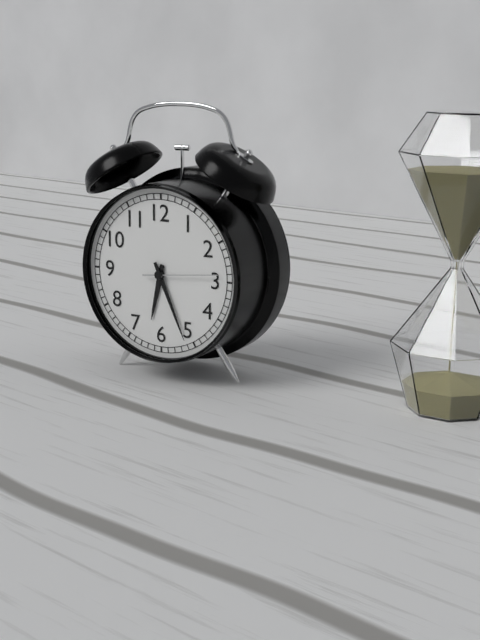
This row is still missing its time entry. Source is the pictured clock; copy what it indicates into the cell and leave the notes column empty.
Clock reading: 6:26:14
